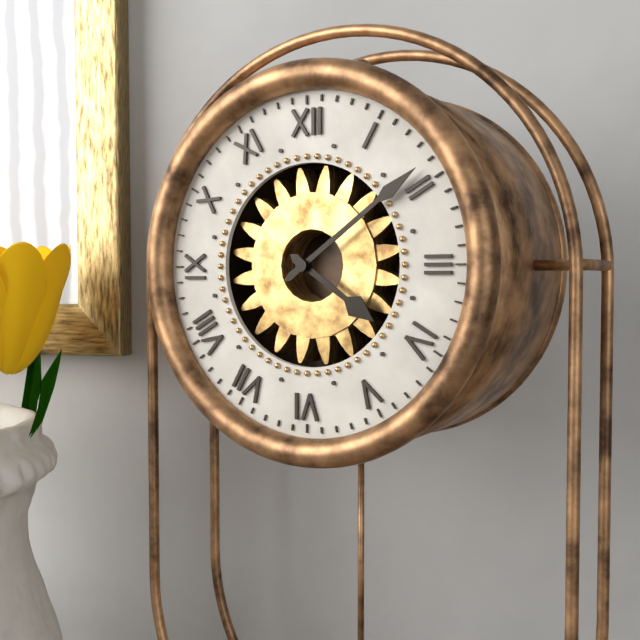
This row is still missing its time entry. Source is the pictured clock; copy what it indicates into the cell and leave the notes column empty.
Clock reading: 4:09
